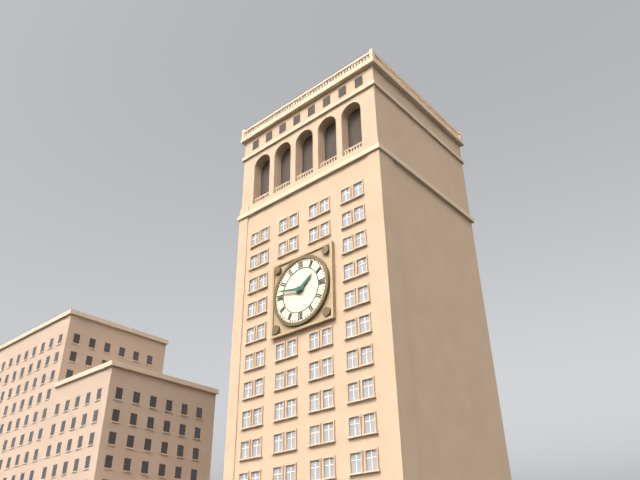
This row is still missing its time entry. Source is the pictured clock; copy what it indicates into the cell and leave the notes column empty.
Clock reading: 1:47
